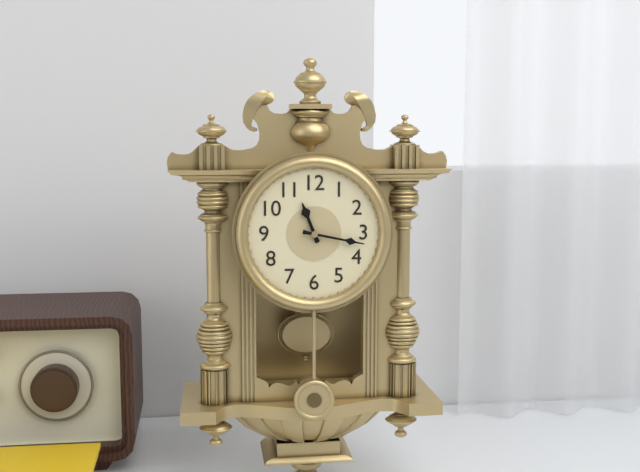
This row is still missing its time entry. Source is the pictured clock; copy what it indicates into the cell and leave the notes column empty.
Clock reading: 11:17
